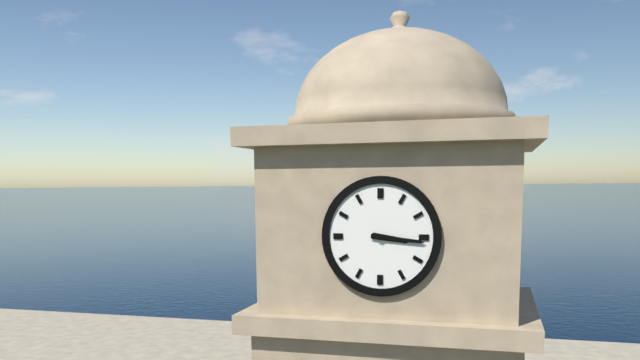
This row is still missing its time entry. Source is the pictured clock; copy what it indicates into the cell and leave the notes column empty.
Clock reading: 3:16
